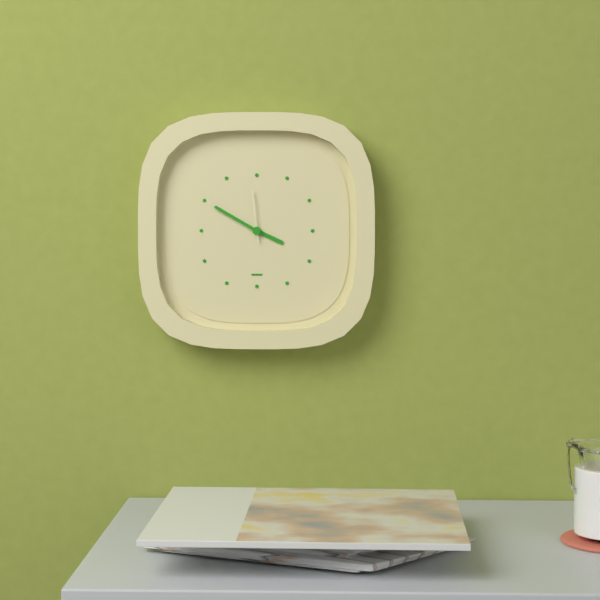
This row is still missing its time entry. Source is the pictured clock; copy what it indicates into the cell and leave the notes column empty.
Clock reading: 3:50:59
